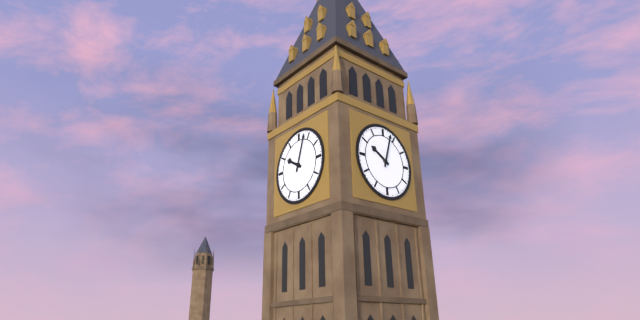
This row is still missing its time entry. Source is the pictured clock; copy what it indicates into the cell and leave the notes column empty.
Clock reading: 10:03
